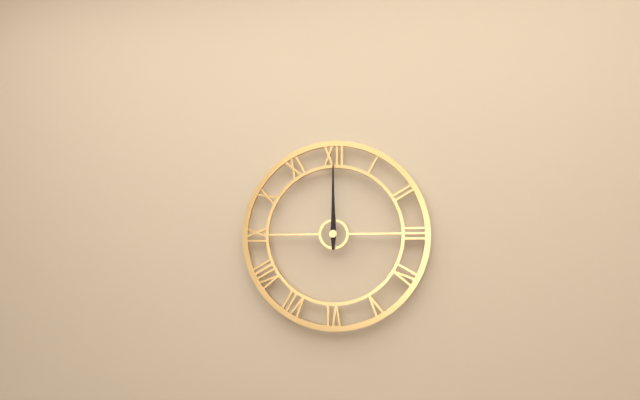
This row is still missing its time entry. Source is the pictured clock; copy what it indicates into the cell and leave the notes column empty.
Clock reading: 12:00
